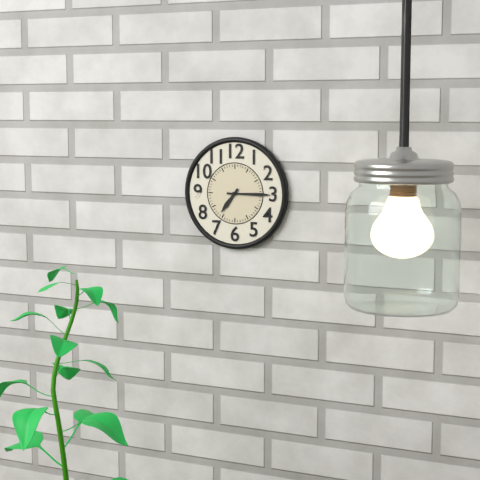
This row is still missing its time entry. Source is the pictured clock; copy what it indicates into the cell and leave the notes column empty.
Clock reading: 7:15
